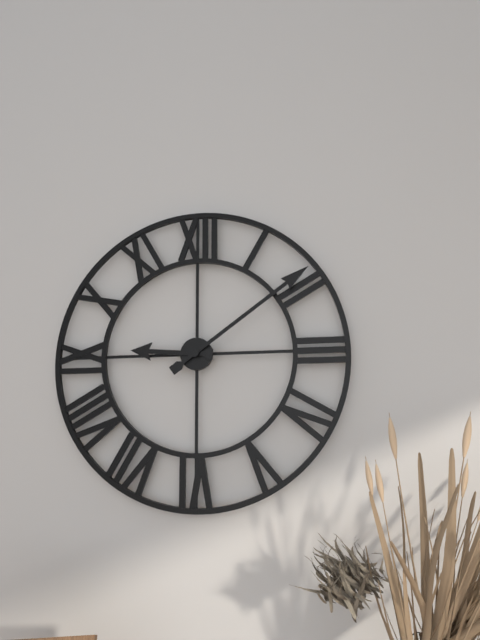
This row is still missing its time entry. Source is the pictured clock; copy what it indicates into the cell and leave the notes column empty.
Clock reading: 9:09
